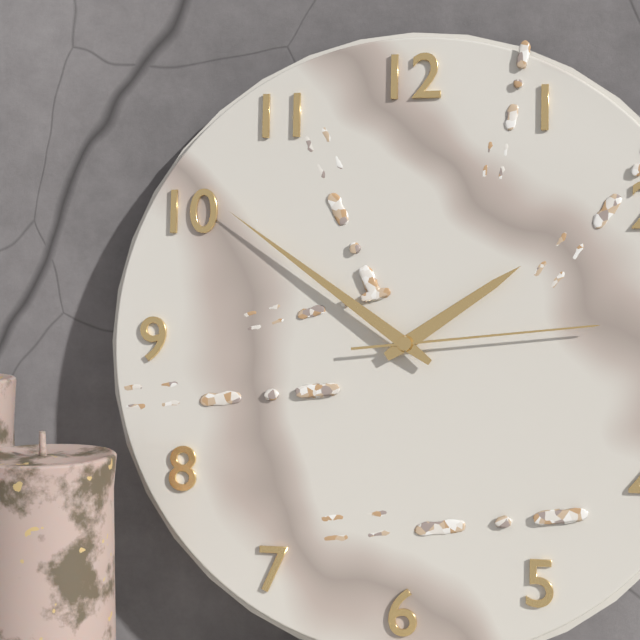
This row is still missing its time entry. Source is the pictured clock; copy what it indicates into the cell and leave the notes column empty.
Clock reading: 1:51:14
